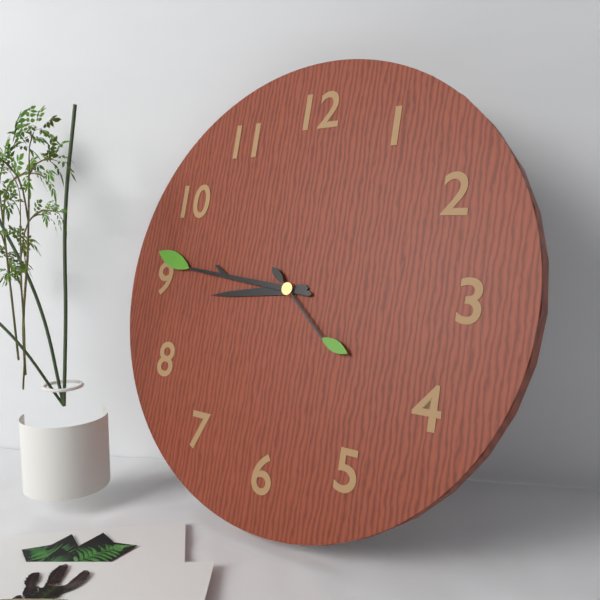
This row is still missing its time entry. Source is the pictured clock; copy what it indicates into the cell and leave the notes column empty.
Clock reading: 8:46:22
